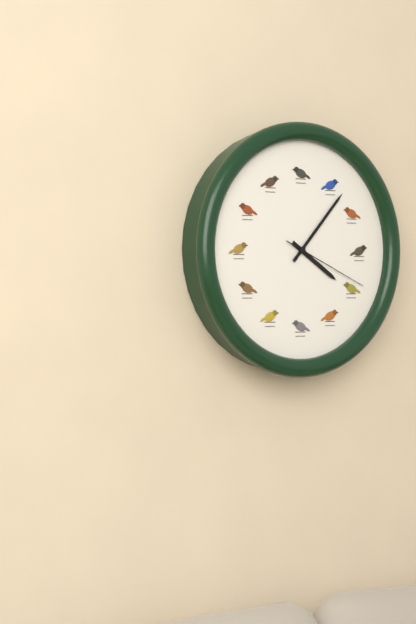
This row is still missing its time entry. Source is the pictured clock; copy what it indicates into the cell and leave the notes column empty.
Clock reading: 4:07:19
